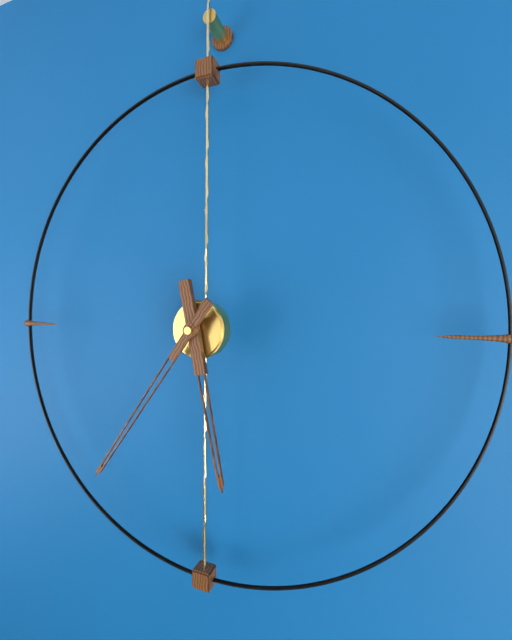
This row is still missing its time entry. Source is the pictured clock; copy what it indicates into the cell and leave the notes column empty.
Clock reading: 5:36
